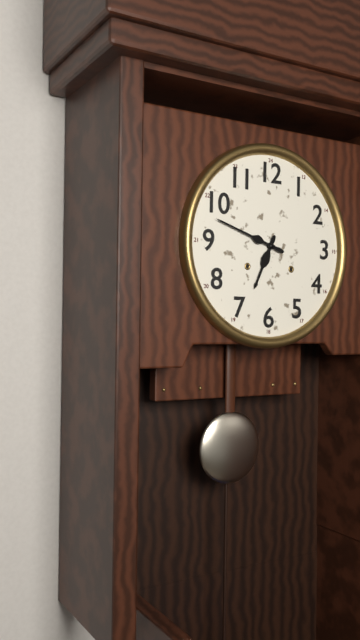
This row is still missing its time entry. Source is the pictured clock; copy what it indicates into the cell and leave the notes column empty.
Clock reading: 6:48
